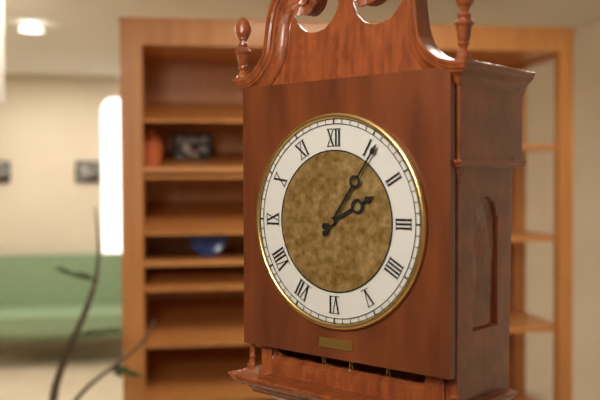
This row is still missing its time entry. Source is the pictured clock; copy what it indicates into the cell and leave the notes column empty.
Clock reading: 2:06
